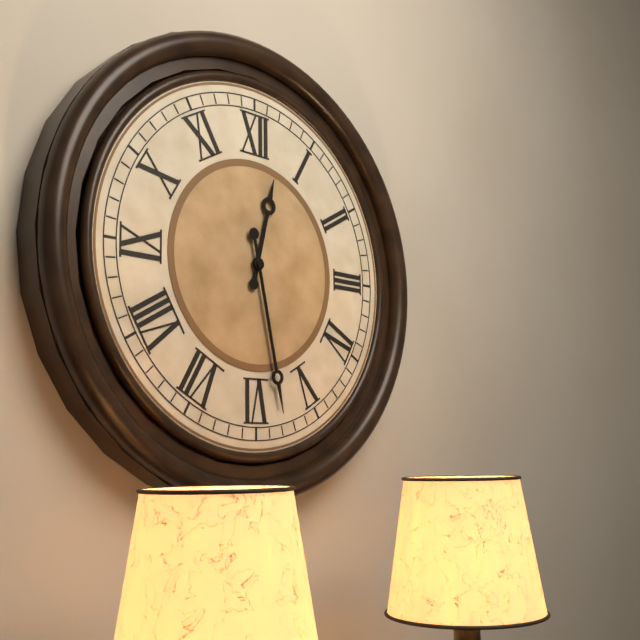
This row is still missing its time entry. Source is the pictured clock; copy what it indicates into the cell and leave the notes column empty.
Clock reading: 12:28
